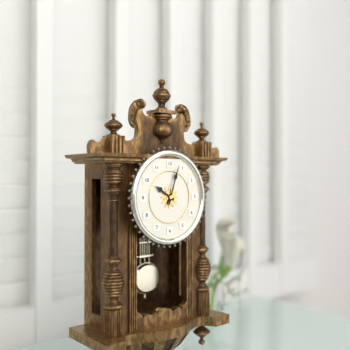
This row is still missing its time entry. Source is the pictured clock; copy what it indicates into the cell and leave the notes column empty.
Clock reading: 10:03
